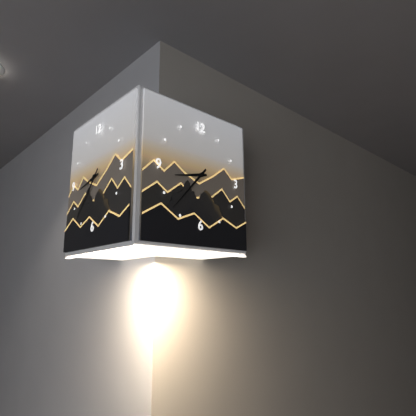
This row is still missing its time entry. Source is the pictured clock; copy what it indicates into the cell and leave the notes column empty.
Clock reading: 8:37
